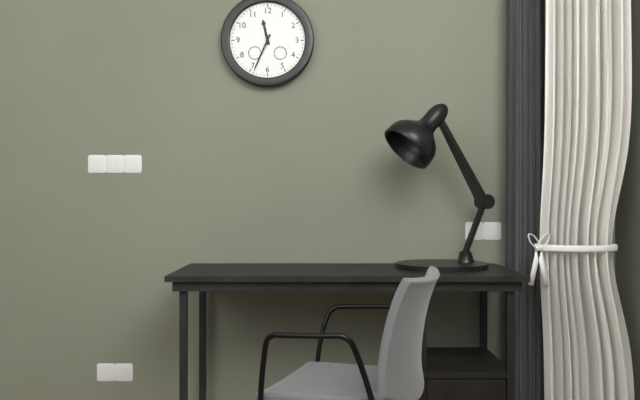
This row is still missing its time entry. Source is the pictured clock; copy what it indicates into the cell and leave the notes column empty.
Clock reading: 11:34
